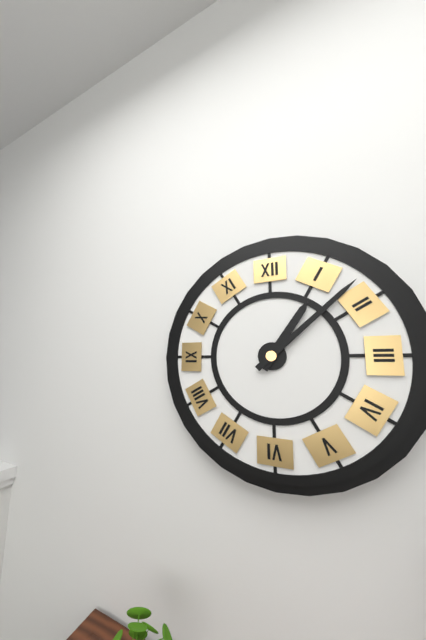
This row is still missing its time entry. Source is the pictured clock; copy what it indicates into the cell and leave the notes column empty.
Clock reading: 1:08
